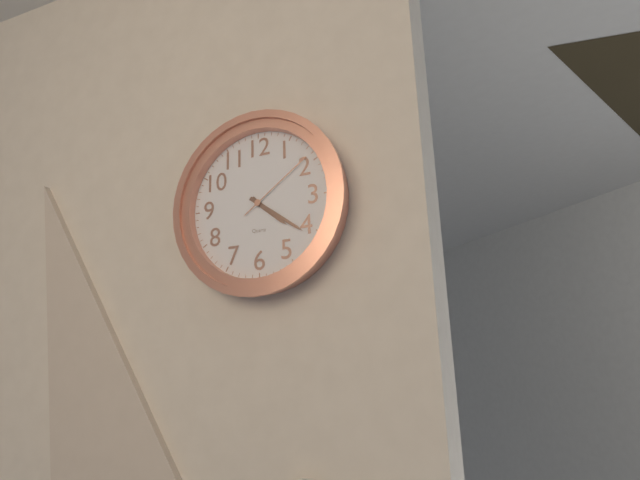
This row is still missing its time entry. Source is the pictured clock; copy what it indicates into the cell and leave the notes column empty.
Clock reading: 4:21:09
